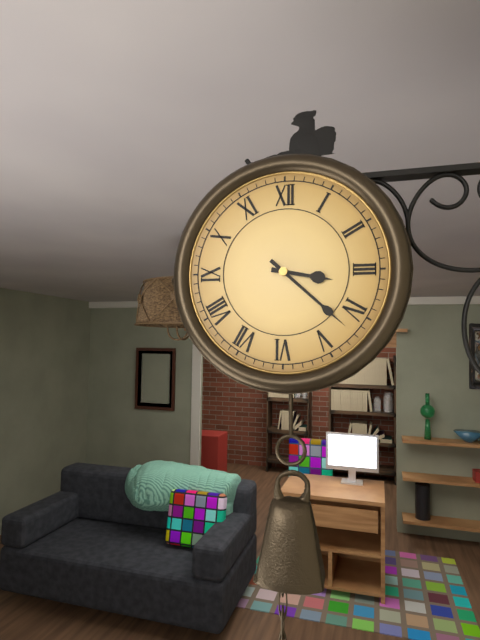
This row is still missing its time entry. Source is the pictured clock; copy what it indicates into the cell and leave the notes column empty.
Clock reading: 3:22
